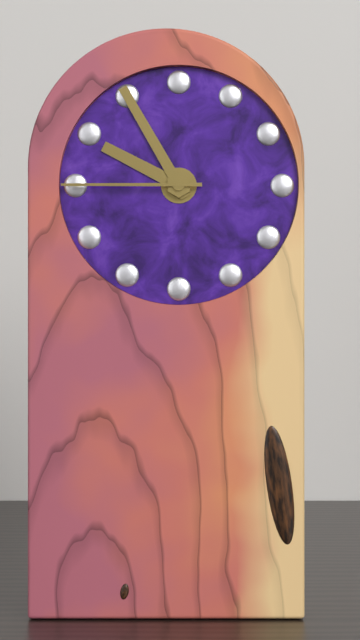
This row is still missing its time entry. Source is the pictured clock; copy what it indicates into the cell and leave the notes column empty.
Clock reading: 9:55:45
